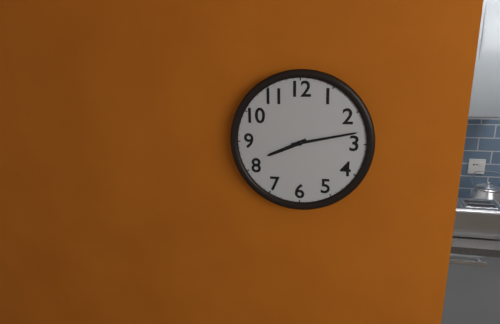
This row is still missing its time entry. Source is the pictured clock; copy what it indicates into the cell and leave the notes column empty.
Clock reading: 8:13
